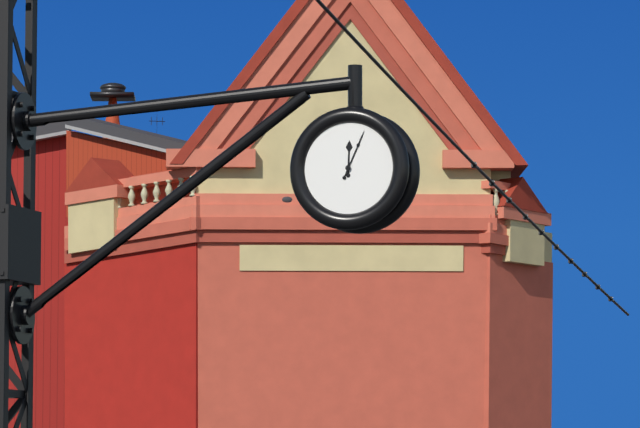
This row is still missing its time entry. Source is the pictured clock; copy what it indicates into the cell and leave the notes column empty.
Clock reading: 12:04
